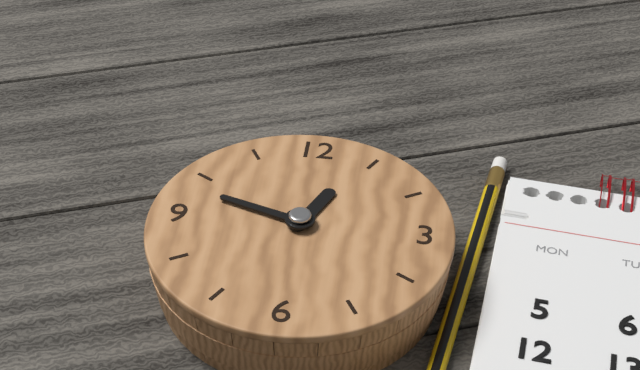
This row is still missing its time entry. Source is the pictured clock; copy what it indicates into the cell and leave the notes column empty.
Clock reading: 12:48
